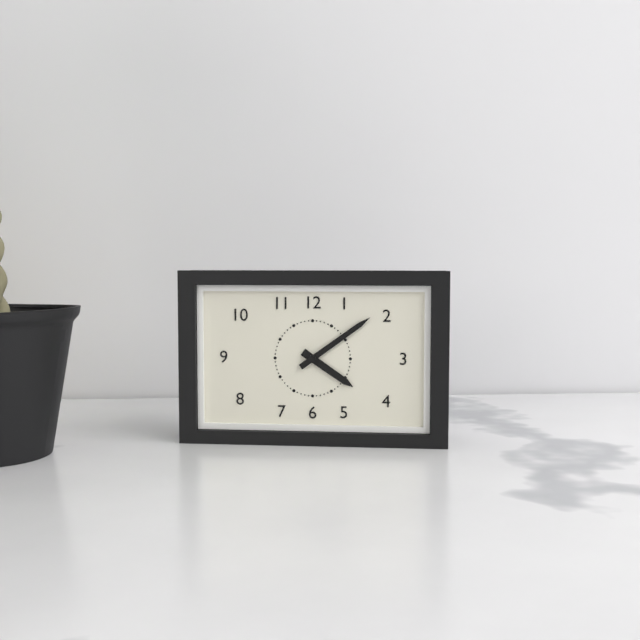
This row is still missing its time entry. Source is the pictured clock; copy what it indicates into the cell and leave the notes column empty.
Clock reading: 4:09
